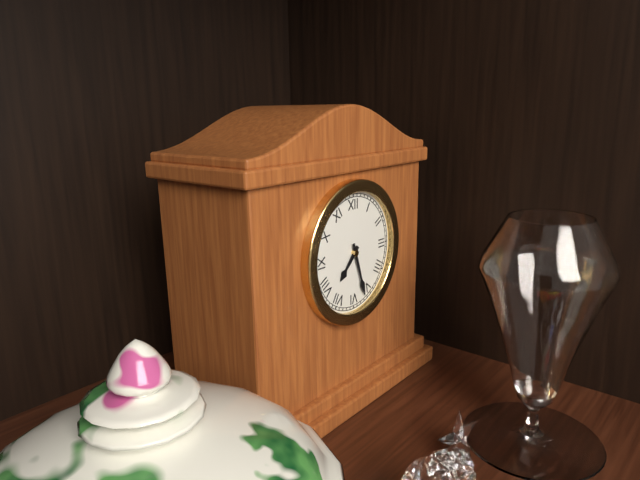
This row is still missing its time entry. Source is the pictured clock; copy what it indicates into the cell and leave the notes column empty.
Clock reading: 7:27
